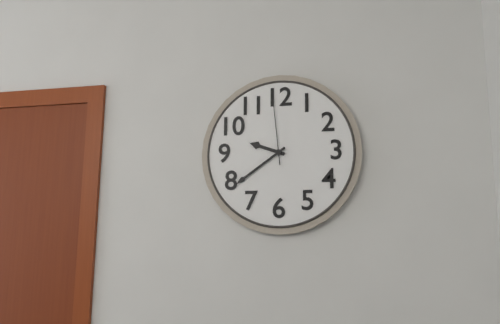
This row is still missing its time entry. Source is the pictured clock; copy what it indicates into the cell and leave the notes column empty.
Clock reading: 9:39:59
